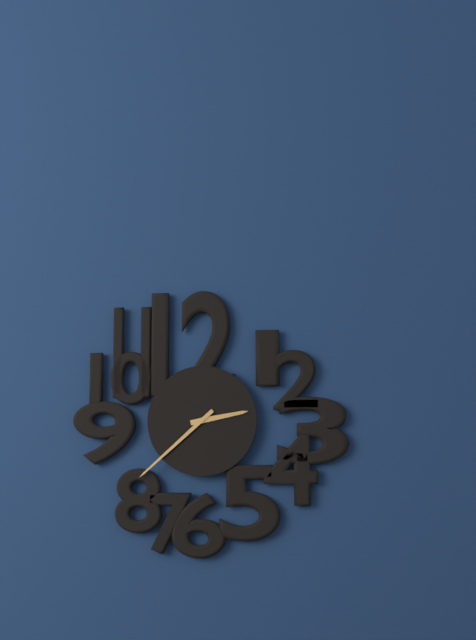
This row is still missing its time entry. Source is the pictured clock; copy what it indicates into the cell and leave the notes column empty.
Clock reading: 2:38
